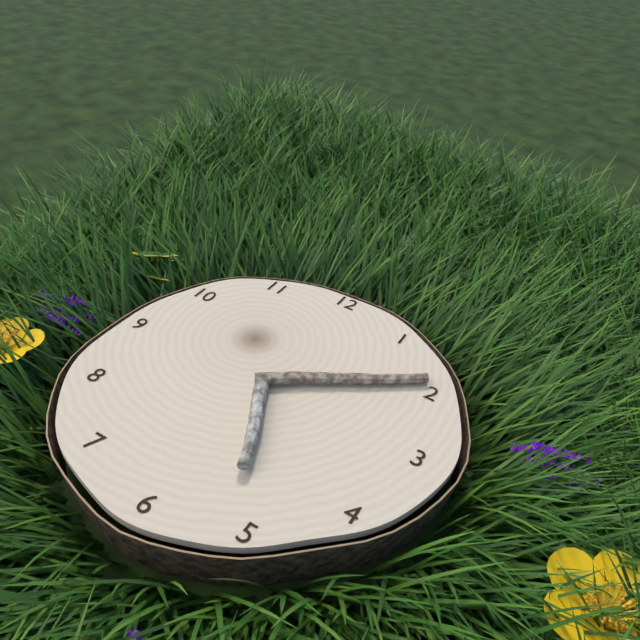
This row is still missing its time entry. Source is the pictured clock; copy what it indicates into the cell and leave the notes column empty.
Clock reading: 5:09
